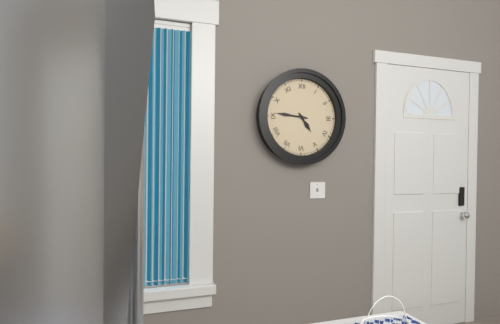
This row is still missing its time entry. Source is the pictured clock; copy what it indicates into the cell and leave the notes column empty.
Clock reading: 4:46
